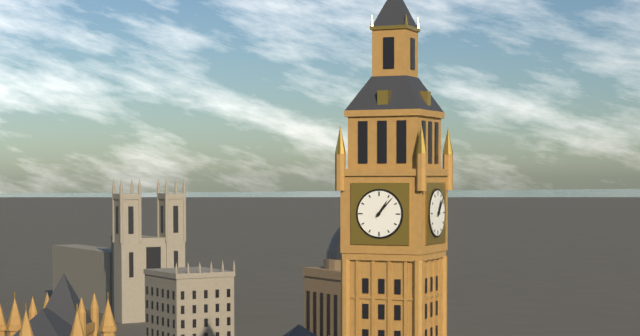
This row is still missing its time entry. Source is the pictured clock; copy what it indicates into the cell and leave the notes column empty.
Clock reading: 1:07
